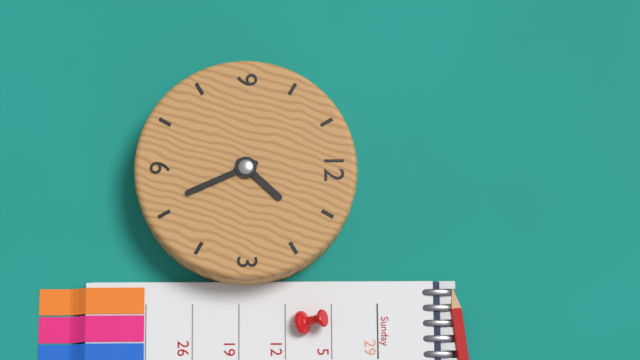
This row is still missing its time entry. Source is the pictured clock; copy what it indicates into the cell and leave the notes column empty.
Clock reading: 1:26
